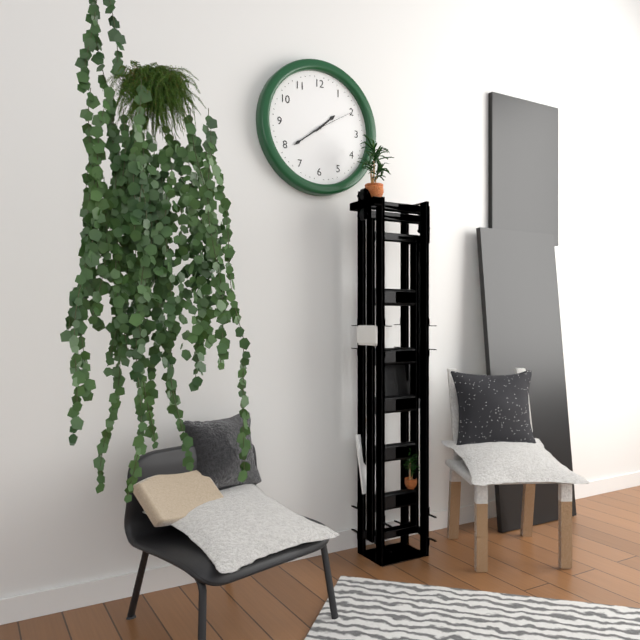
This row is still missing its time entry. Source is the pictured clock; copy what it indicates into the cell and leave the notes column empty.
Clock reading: 1:39
